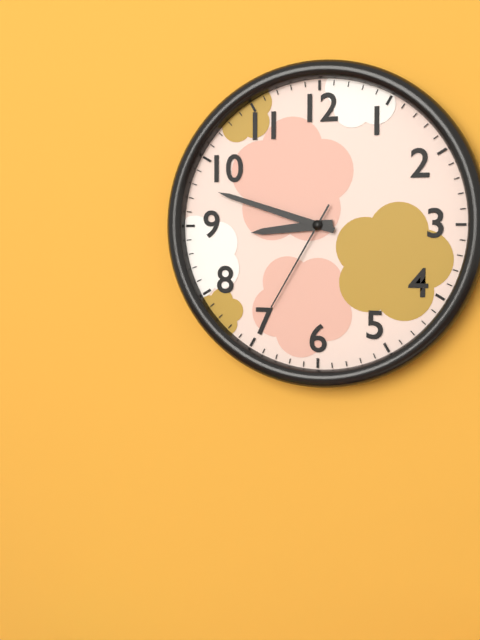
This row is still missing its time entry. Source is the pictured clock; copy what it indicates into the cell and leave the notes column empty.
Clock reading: 8:48:35
